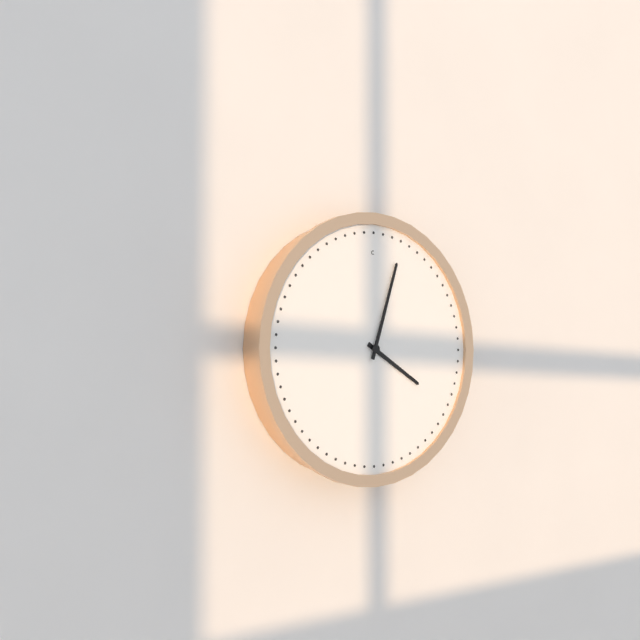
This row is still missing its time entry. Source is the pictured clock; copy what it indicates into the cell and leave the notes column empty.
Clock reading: 4:03
